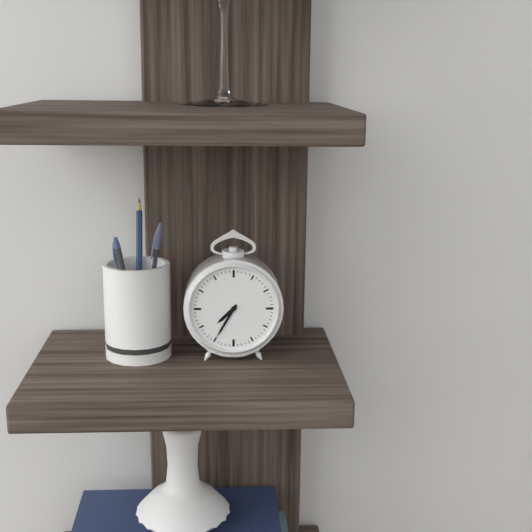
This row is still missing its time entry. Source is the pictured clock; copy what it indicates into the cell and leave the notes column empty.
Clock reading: 7:35
